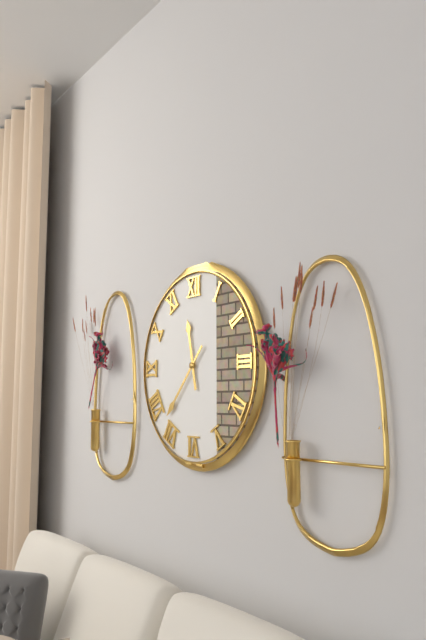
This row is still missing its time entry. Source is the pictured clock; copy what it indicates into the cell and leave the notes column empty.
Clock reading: 11:37
